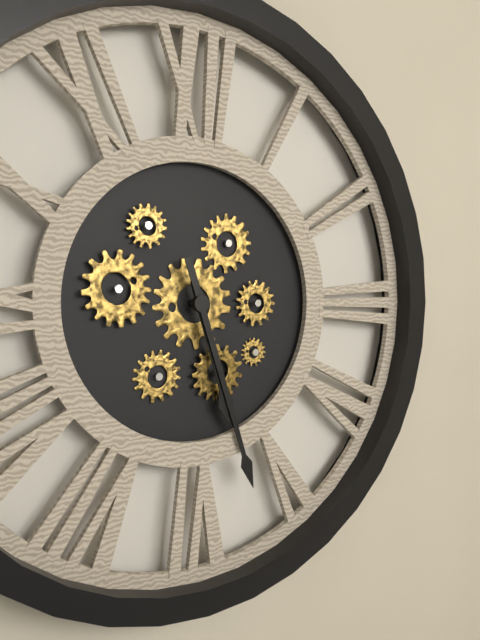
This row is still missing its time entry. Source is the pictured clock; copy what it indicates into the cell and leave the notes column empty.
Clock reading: 5:27
